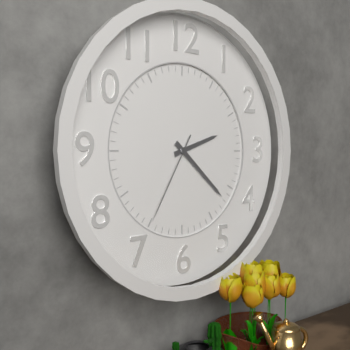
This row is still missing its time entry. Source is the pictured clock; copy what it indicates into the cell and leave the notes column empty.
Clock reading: 2:22:35
